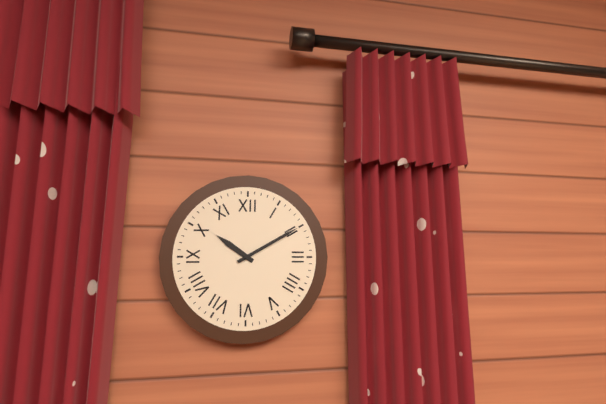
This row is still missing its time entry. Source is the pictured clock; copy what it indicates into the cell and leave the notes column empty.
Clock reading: 10:10
